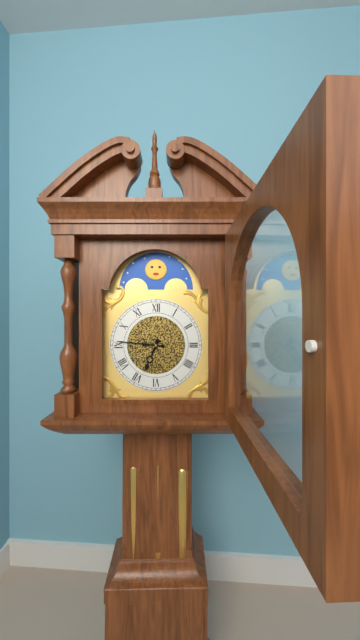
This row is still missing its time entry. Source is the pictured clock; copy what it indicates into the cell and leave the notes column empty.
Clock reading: 6:46
